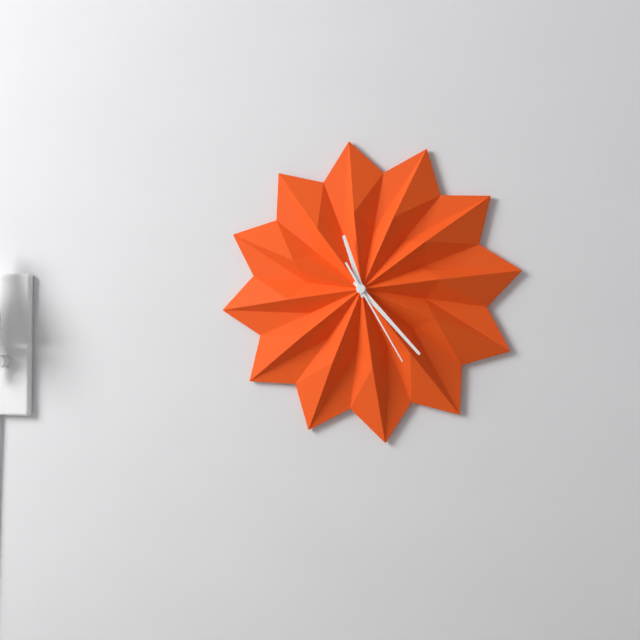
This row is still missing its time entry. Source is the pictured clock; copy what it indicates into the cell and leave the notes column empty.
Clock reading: 11:23:25
